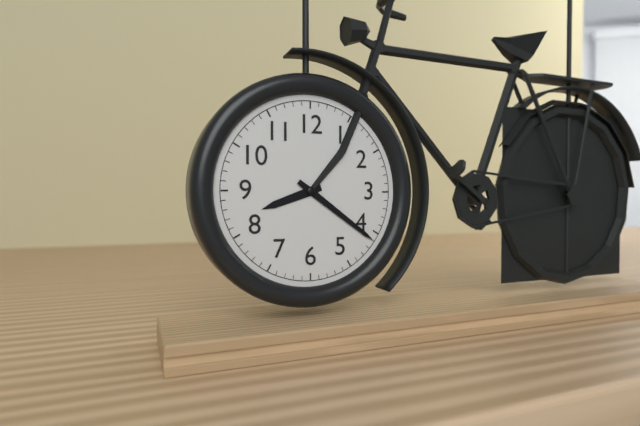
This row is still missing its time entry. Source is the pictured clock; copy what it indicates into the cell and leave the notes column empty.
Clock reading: 8:21
